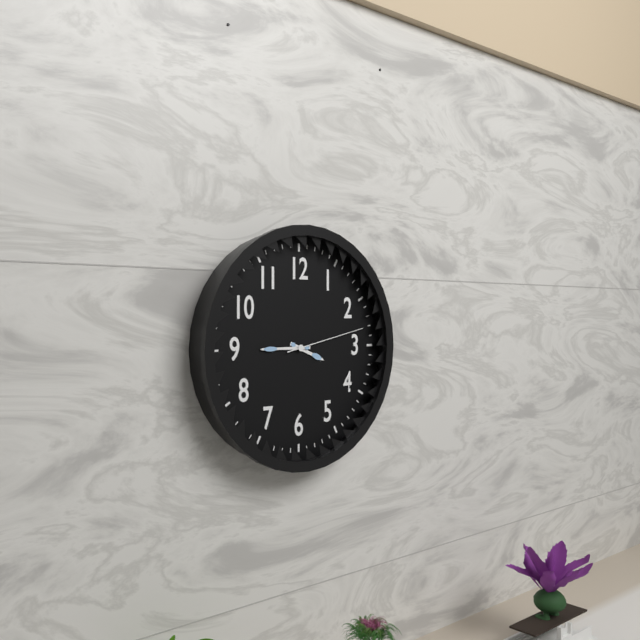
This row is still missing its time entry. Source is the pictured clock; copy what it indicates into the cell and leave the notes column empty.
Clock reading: 3:45:13
